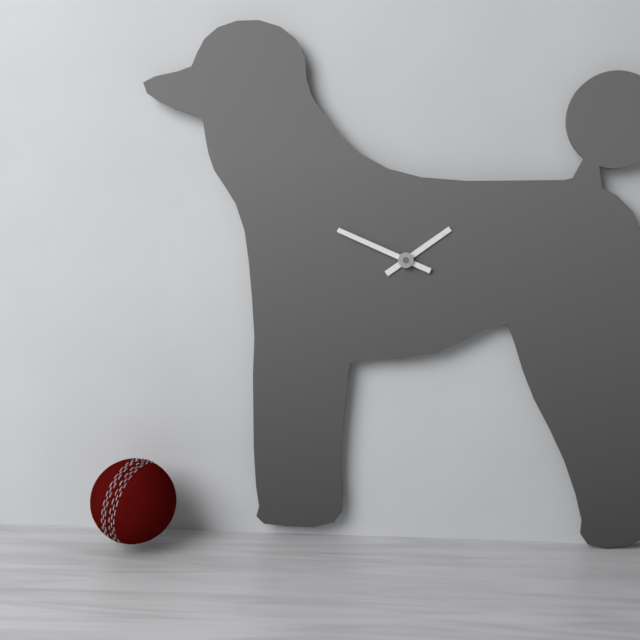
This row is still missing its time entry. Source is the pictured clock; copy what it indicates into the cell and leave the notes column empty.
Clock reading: 1:49
